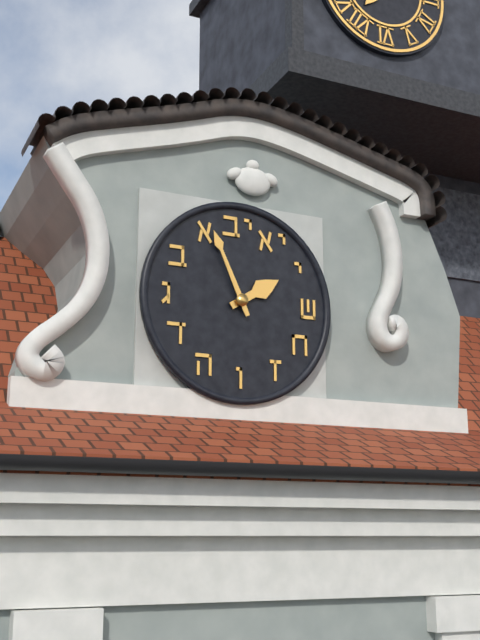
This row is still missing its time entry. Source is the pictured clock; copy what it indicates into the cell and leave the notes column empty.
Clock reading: 1:56
